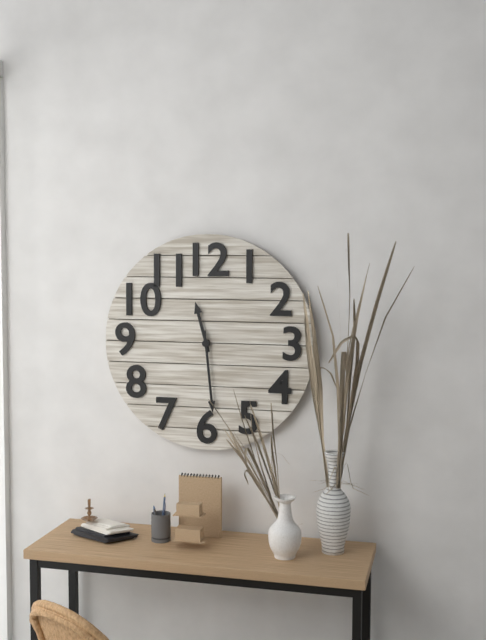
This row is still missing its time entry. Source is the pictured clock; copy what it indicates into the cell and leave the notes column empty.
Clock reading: 11:29
